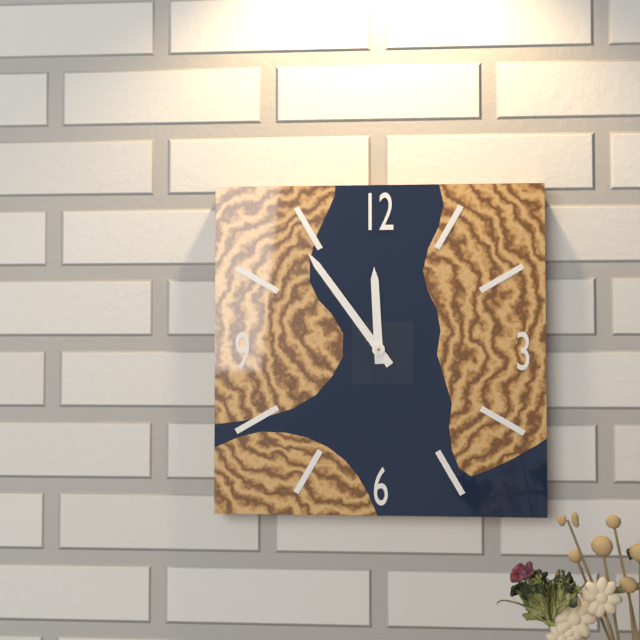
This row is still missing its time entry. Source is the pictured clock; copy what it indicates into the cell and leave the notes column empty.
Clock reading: 11:54
